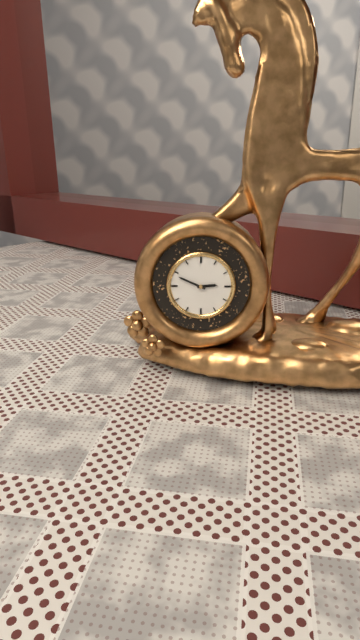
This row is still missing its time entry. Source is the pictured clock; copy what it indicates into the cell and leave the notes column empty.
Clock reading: 2:49
